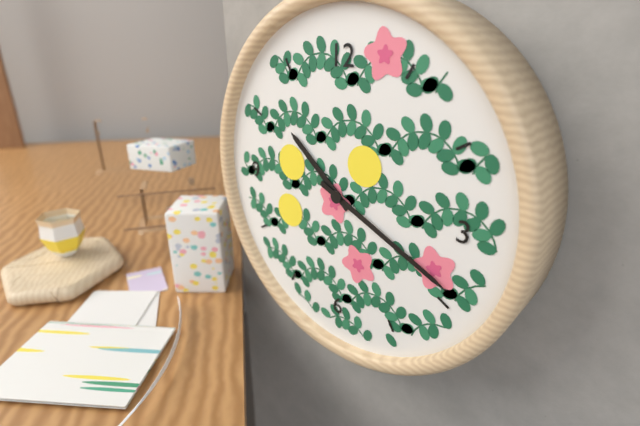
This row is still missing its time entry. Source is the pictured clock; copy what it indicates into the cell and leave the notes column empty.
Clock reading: 10:19
